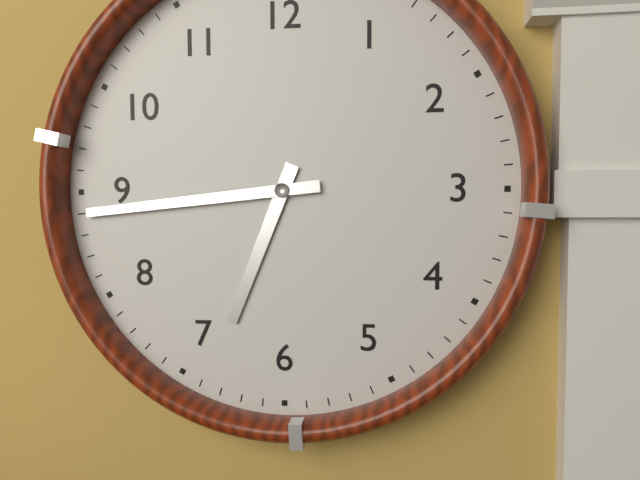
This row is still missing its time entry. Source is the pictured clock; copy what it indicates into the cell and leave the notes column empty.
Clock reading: 6:44
